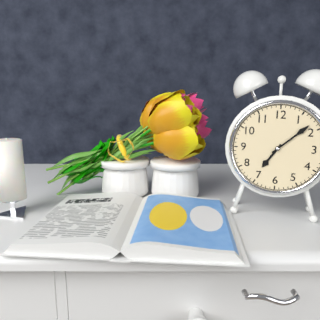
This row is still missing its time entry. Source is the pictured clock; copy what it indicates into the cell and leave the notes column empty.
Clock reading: 7:08
